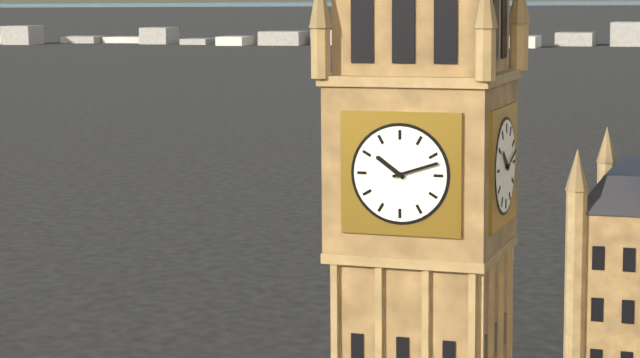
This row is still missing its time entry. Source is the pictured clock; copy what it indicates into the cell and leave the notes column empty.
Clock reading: 10:12
